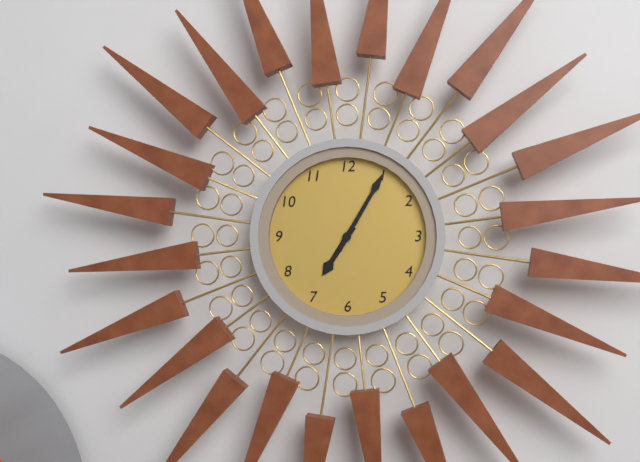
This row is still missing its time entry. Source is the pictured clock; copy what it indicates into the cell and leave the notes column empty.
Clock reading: 7:05
